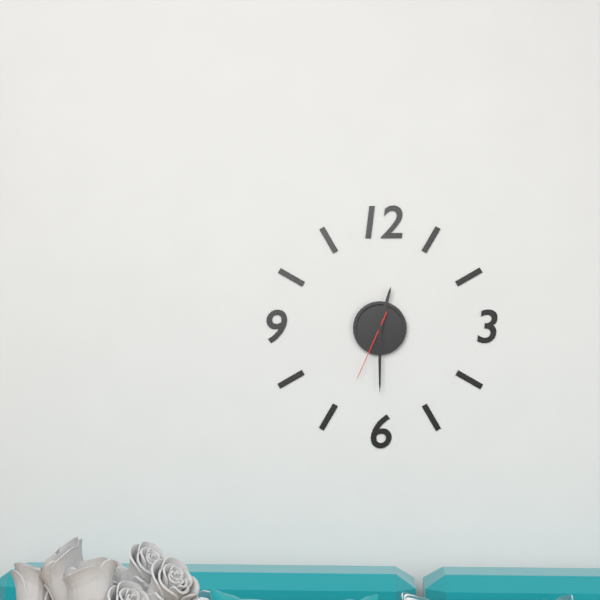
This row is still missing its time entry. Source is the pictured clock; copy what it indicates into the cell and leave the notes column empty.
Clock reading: 12:30:34
